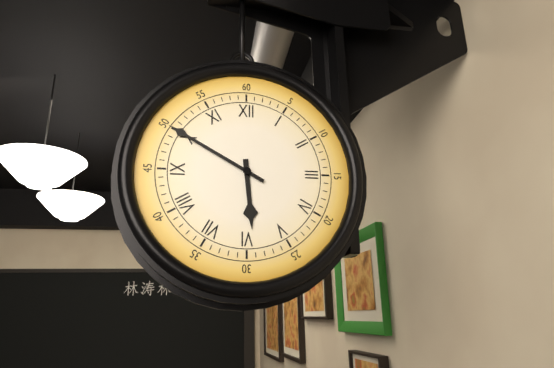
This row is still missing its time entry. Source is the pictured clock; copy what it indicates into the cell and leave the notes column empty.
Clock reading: 5:50
